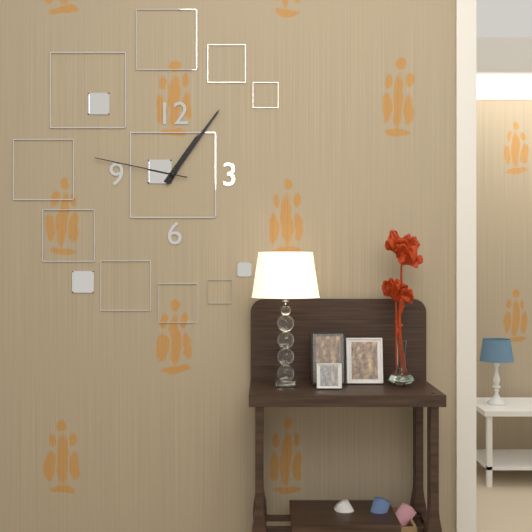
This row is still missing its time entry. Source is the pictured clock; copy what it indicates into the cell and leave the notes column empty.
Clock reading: 1:06:47
